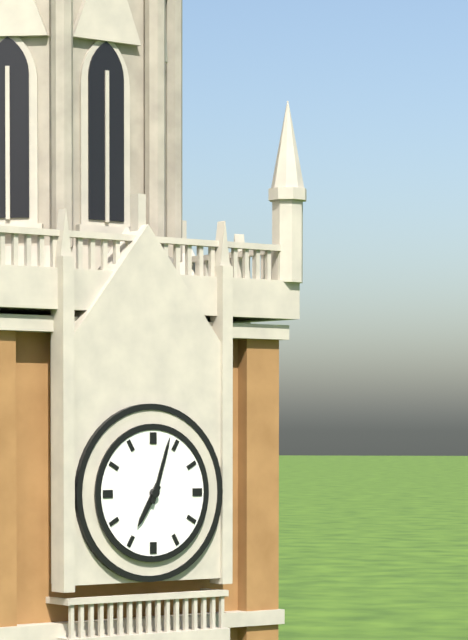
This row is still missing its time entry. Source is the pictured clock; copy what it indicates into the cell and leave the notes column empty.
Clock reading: 7:03
